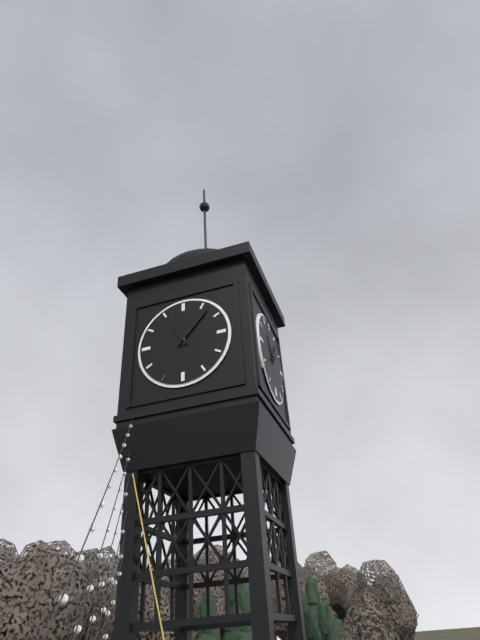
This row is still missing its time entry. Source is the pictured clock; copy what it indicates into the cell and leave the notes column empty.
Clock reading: 11:07
